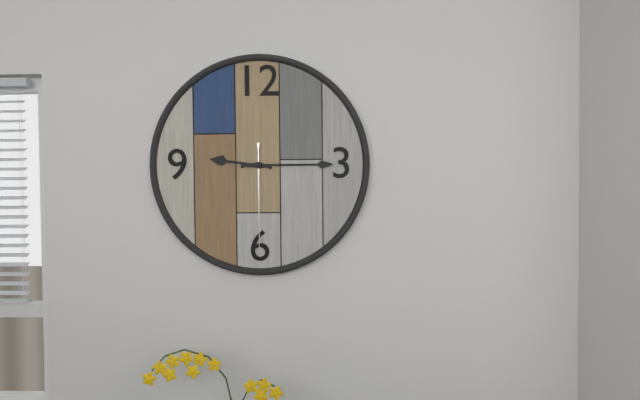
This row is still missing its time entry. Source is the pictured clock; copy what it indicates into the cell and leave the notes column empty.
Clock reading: 9:15:30
